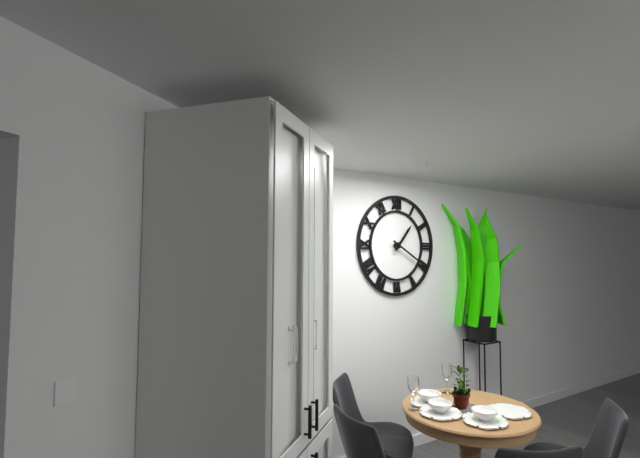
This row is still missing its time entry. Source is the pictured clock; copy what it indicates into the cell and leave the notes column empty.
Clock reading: 1:20
